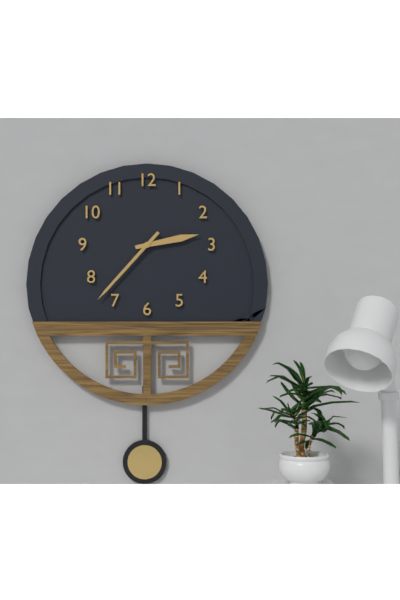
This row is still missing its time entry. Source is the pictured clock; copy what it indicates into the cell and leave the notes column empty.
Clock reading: 2:37
